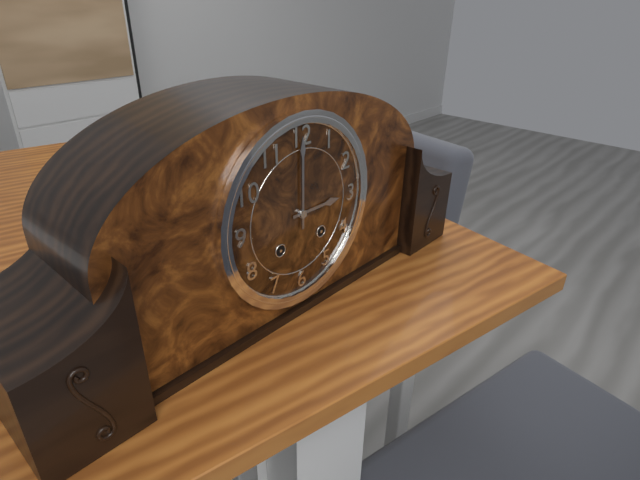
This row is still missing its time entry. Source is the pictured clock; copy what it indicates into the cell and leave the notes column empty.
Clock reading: 3:00
